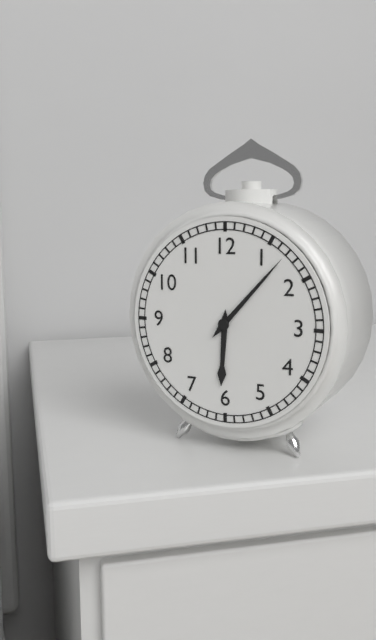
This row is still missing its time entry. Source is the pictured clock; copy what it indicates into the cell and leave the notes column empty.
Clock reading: 6:07
